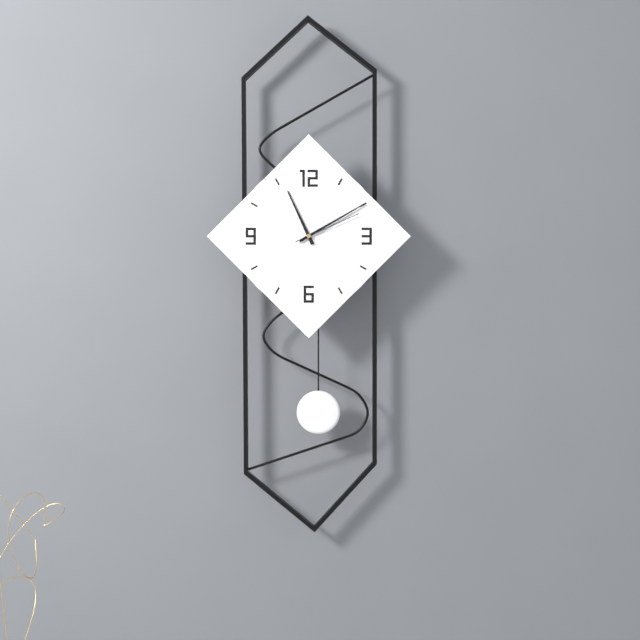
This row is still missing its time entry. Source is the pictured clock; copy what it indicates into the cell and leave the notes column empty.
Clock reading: 11:10:11
